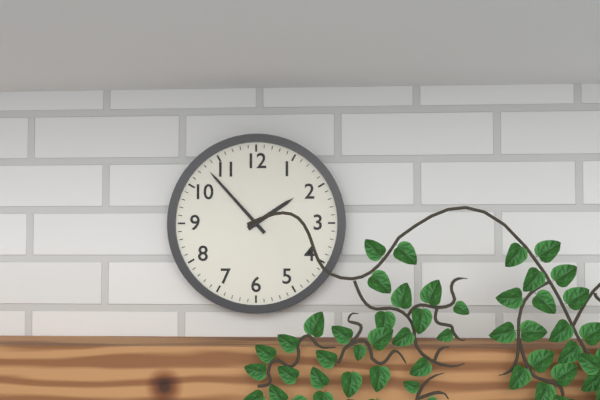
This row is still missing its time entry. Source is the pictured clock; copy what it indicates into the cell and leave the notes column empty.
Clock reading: 1:53
